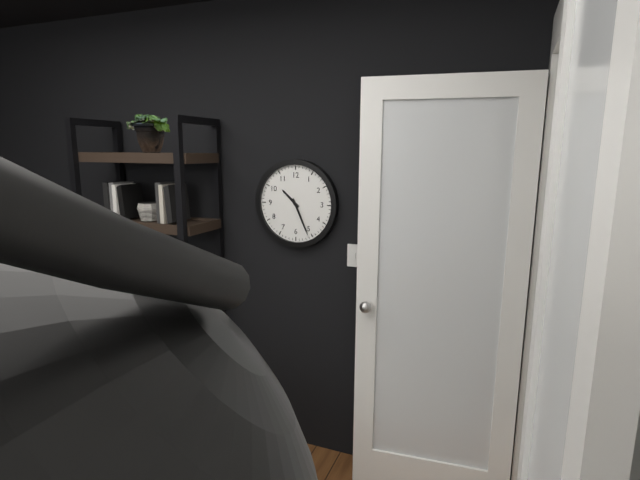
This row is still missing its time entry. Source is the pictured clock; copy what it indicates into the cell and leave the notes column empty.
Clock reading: 10:26
